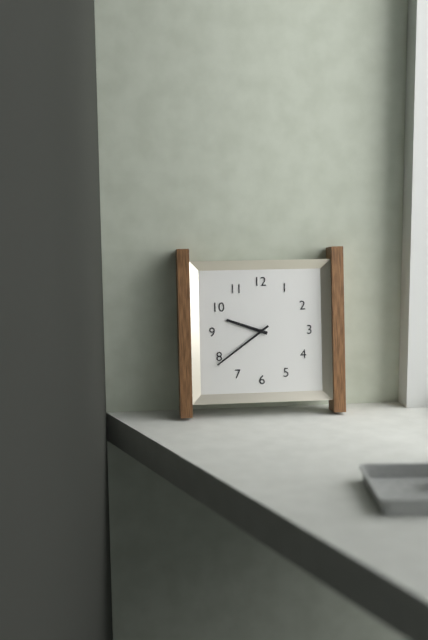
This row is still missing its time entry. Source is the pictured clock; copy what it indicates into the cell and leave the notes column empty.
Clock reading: 9:39
